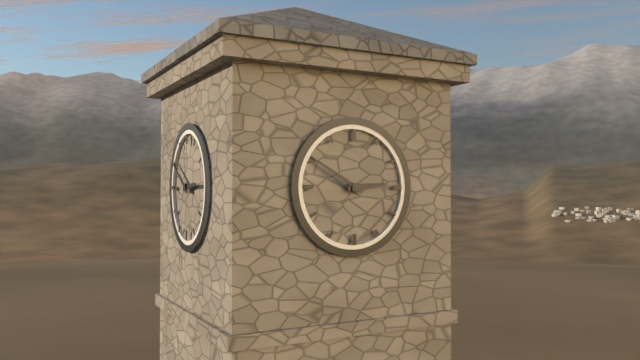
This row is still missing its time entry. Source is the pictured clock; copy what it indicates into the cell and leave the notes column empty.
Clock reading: 2:50
